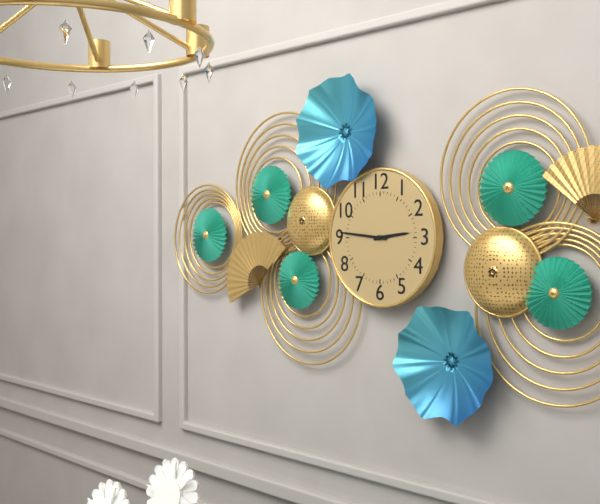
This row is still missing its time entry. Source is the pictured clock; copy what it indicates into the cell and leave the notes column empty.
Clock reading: 2:46
